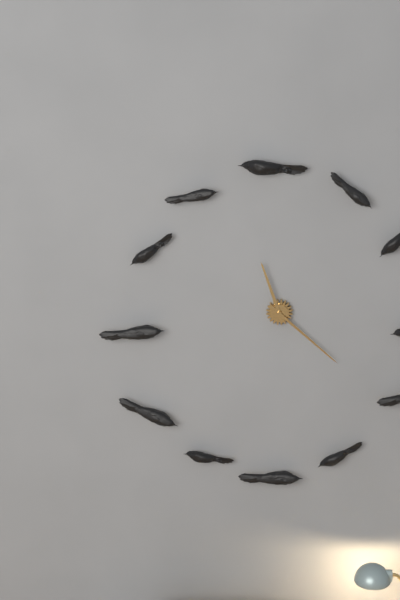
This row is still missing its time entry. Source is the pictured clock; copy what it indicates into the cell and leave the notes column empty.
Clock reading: 11:22
